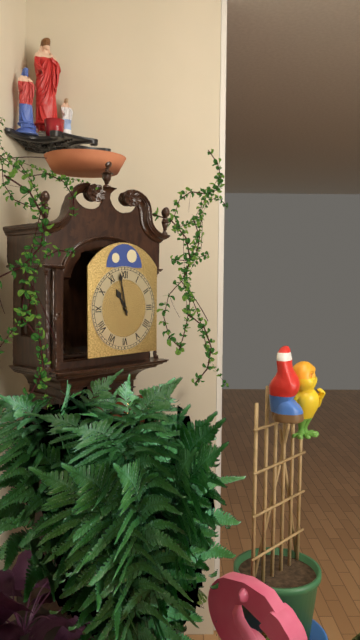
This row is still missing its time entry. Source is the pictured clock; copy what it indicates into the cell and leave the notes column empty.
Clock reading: 10:58
